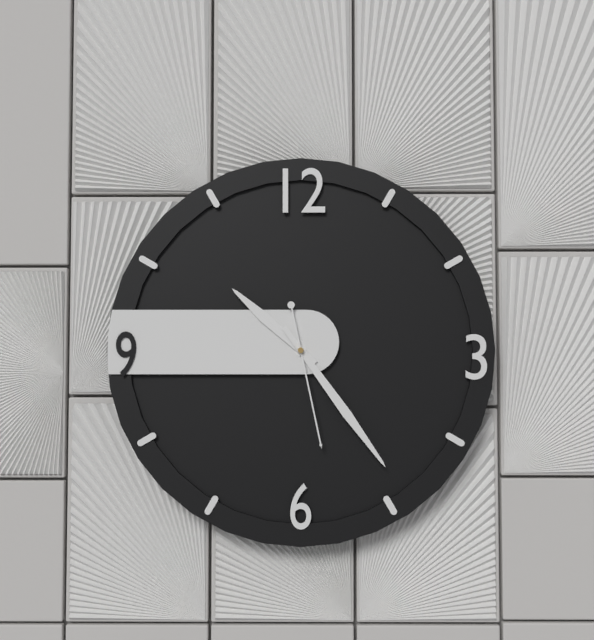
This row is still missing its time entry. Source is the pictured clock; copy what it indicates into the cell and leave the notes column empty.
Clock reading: 10:24:28
